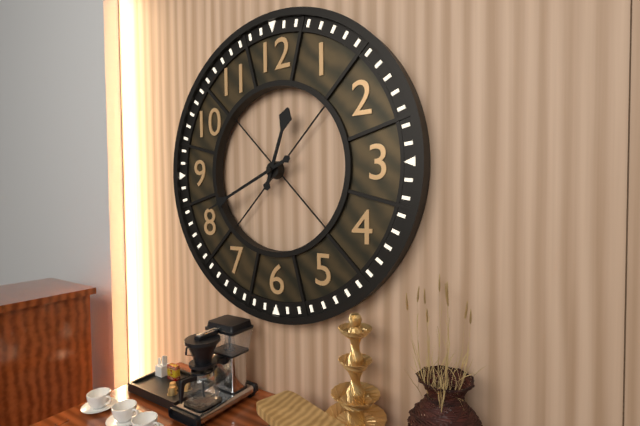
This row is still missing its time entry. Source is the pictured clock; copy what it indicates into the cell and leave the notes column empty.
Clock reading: 12:41
